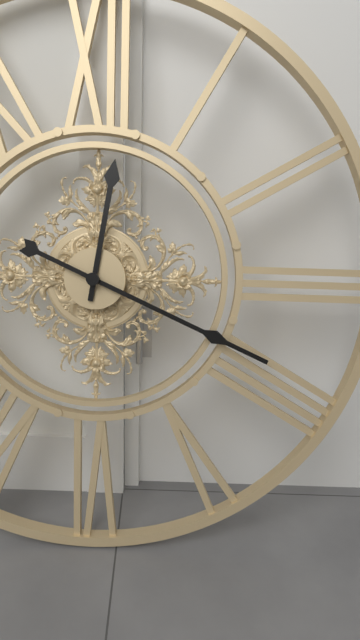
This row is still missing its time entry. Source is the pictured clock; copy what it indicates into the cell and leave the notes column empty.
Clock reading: 12:19
